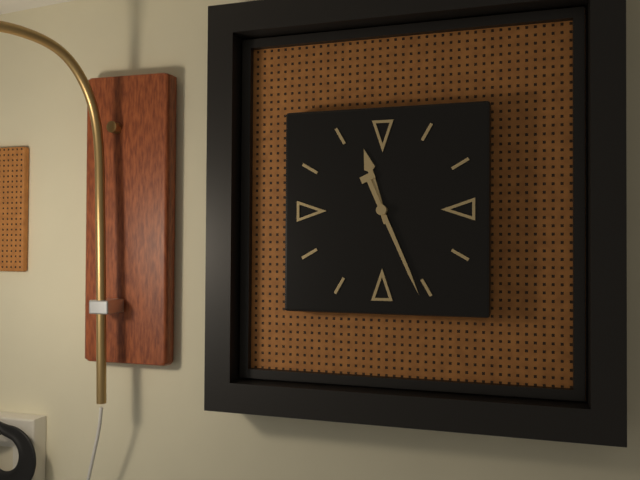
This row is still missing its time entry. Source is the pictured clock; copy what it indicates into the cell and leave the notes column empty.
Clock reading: 11:26
